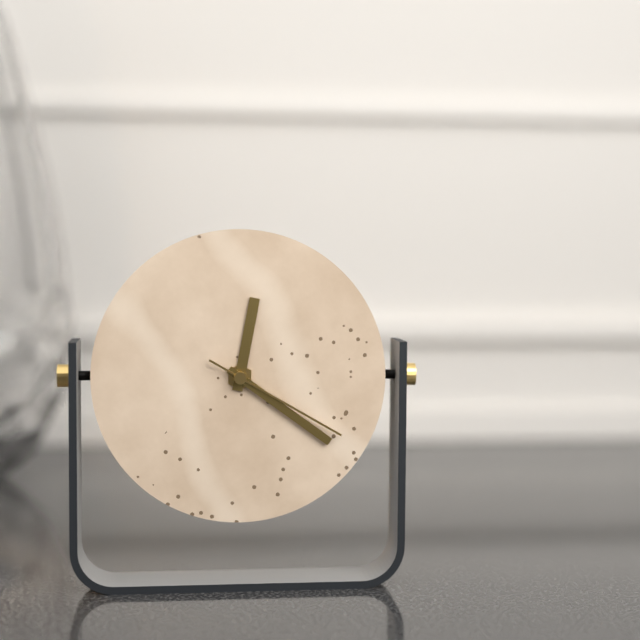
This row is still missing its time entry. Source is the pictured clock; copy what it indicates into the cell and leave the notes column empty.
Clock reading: 12:21:20
